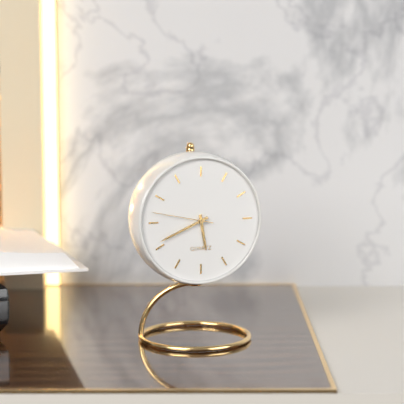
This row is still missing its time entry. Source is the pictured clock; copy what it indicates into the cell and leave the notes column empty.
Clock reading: 5:41:47
